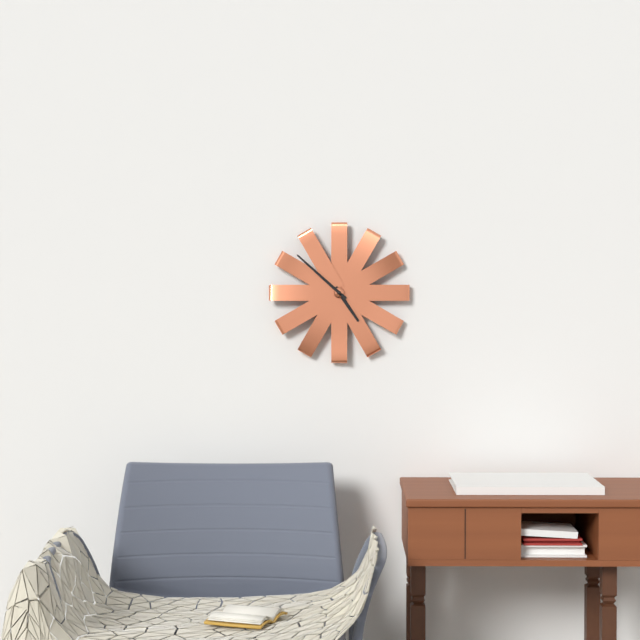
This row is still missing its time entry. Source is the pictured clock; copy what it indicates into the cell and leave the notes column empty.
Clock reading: 4:52
